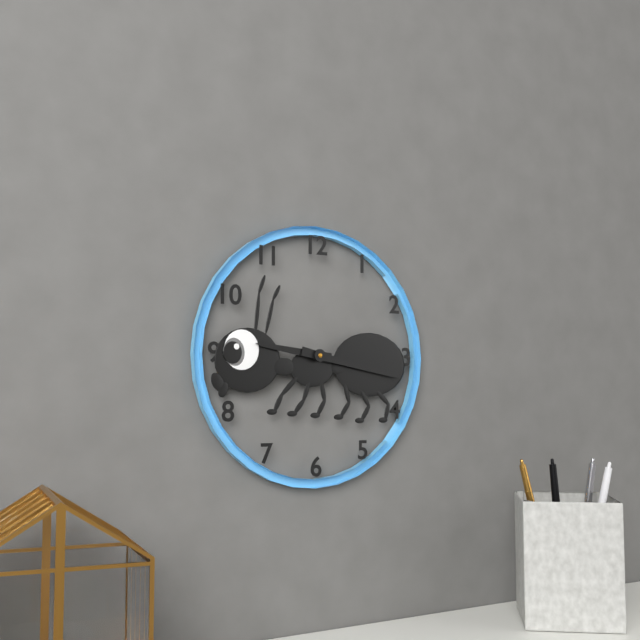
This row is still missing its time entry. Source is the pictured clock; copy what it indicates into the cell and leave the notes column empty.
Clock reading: 9:17
